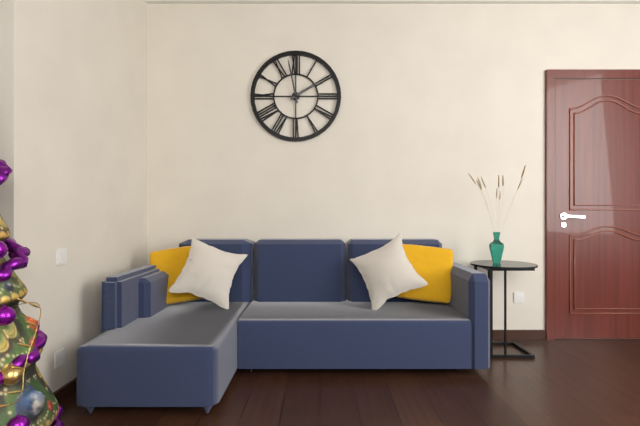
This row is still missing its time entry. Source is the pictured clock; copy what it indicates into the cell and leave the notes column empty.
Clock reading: 1:58
